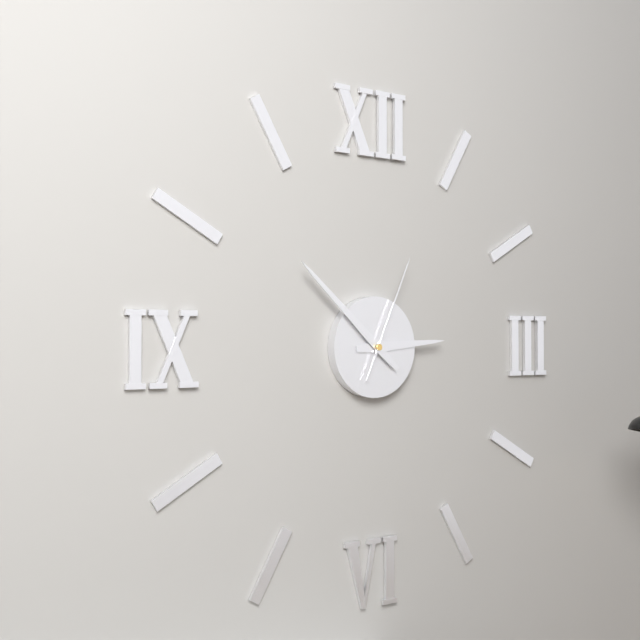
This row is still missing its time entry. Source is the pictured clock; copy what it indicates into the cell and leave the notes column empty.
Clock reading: 2:52:04
